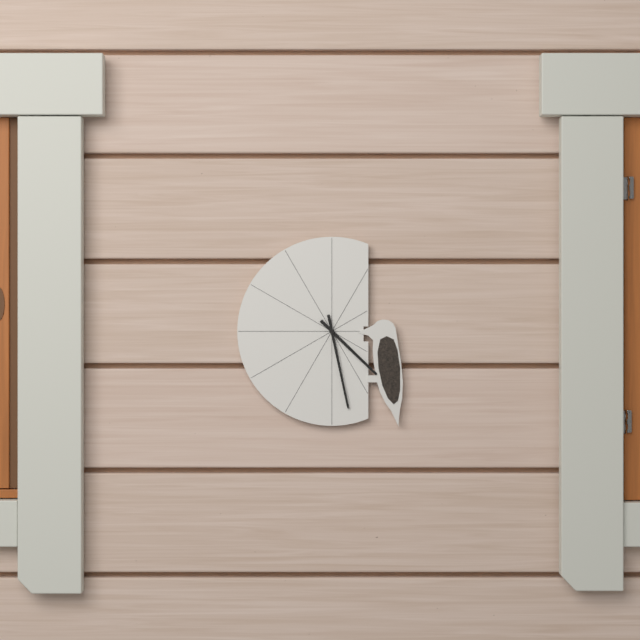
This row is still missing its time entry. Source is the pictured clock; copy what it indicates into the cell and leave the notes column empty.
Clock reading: 4:28
